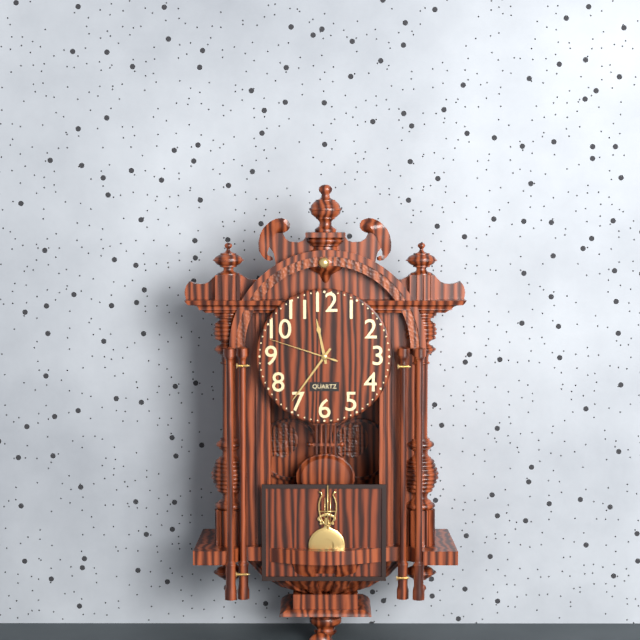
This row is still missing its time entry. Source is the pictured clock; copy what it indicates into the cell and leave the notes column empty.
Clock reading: 11:36:48
